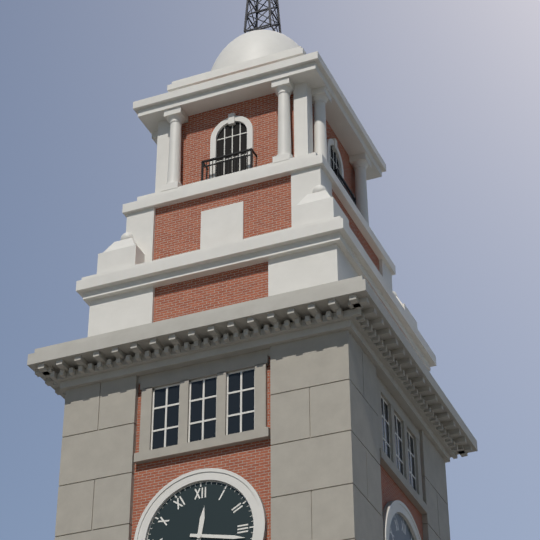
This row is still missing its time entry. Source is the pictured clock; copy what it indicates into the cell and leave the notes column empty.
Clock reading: 12:17
